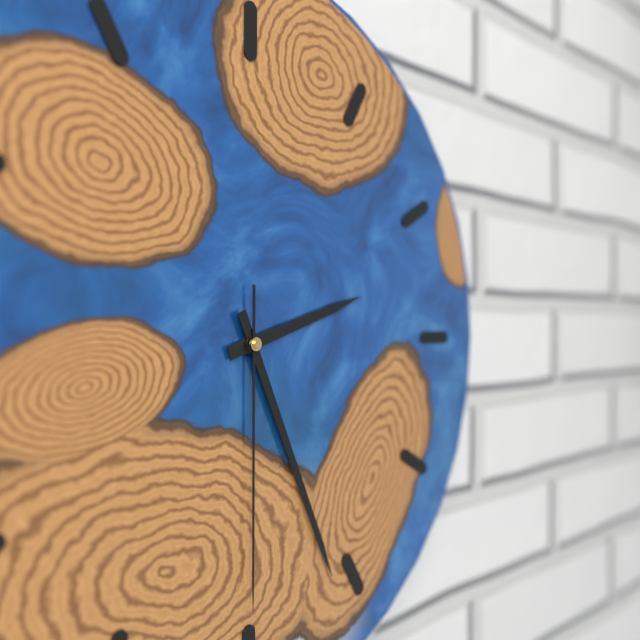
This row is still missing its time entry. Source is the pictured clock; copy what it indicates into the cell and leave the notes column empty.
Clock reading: 2:26:30
